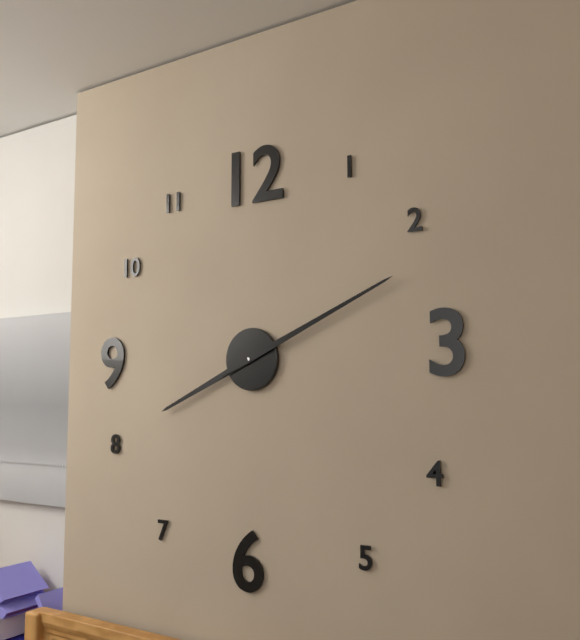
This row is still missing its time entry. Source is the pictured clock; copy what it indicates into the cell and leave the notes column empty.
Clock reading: 8:11
